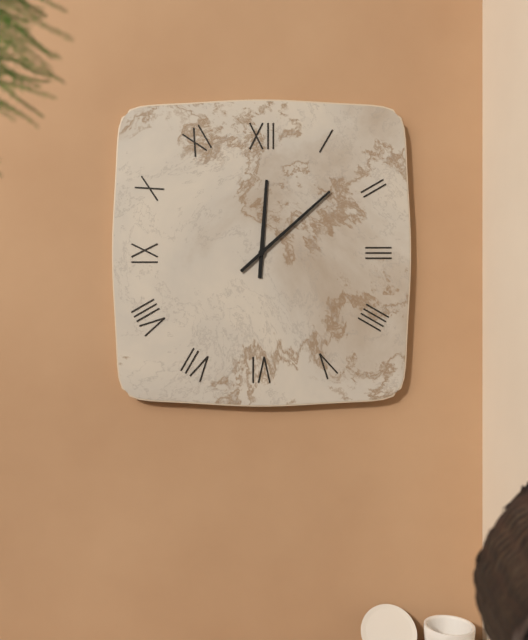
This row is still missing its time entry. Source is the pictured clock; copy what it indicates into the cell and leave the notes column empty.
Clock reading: 12:08
